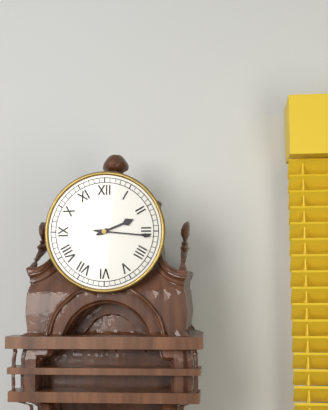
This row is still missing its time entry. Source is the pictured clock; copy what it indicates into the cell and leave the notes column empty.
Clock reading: 2:16
